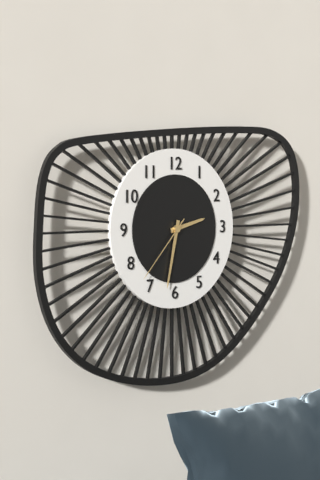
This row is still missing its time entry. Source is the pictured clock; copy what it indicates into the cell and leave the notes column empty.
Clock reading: 2:32:37
